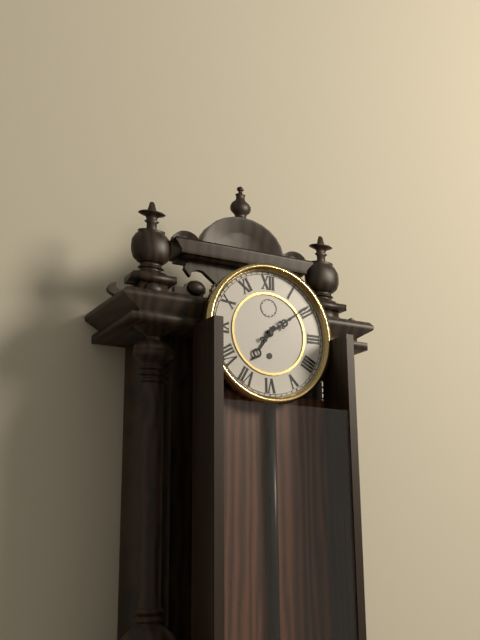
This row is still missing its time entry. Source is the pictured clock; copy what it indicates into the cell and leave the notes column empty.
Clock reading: 7:09
